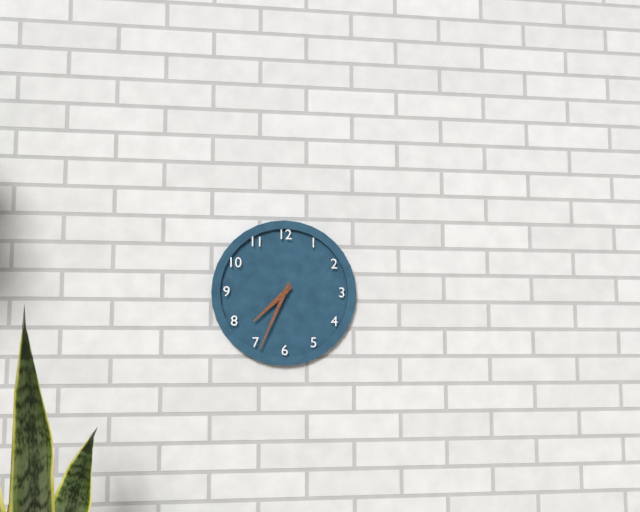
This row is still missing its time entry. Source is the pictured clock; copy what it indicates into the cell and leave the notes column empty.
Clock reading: 7:34
